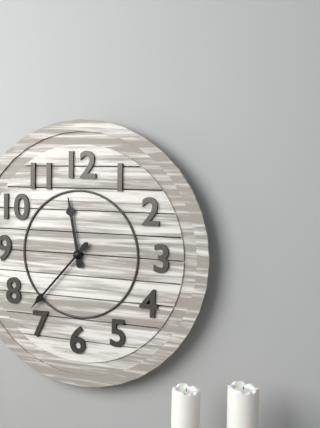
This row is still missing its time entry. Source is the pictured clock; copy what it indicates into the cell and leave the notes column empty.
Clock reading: 11:37
